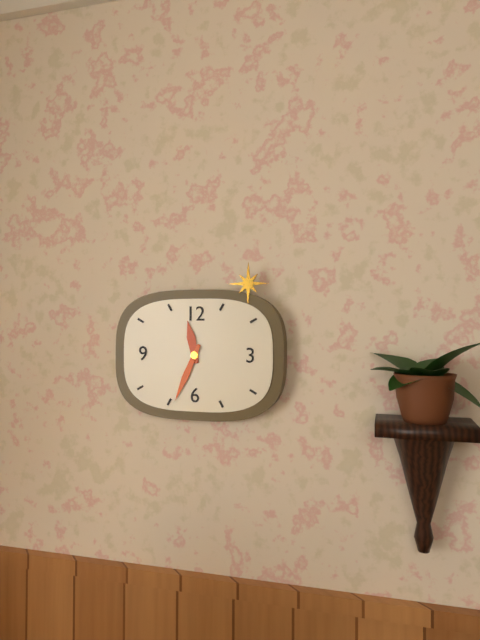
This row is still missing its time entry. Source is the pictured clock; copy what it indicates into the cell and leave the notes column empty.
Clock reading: 11:34
